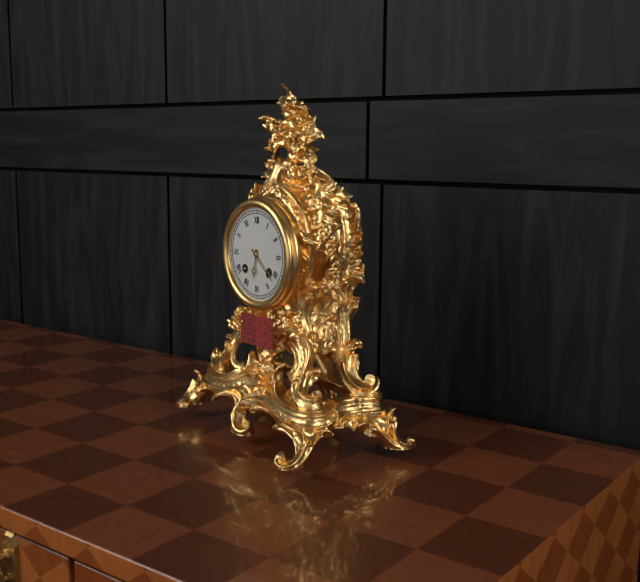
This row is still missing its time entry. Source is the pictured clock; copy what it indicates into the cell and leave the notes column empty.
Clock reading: 6:22
